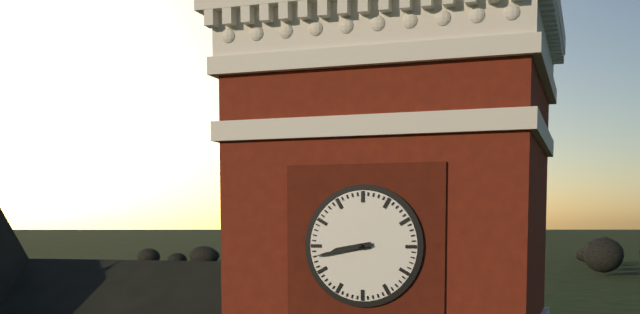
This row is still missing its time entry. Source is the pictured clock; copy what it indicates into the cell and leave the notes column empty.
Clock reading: 8:43
